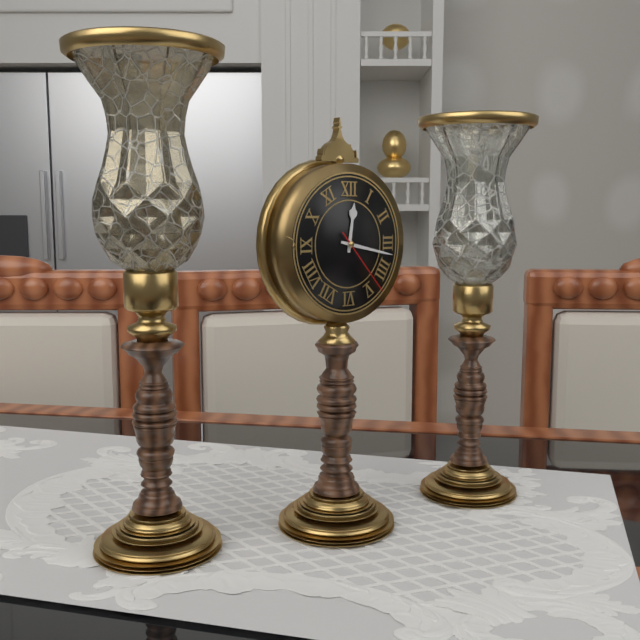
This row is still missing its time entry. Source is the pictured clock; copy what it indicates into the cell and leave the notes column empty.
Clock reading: 12:17:23
